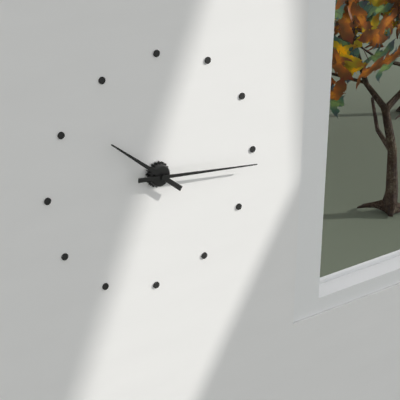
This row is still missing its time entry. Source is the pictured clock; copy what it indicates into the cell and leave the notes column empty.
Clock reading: 10:16
